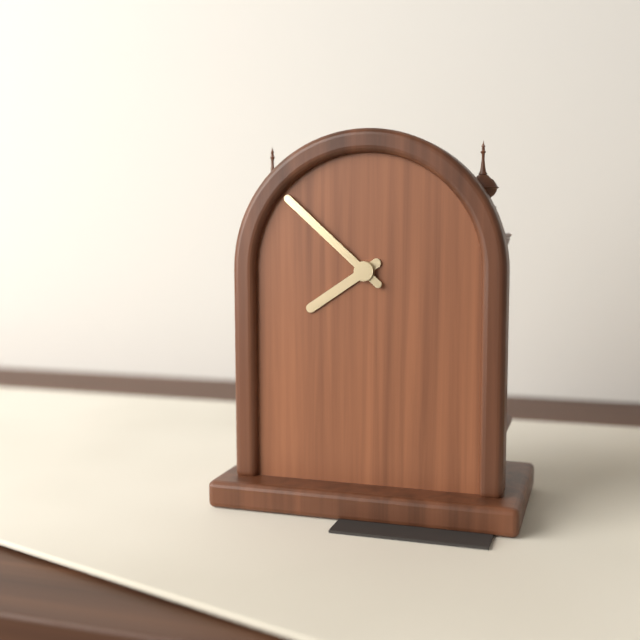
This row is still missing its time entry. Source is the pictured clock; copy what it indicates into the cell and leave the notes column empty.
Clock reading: 7:52
